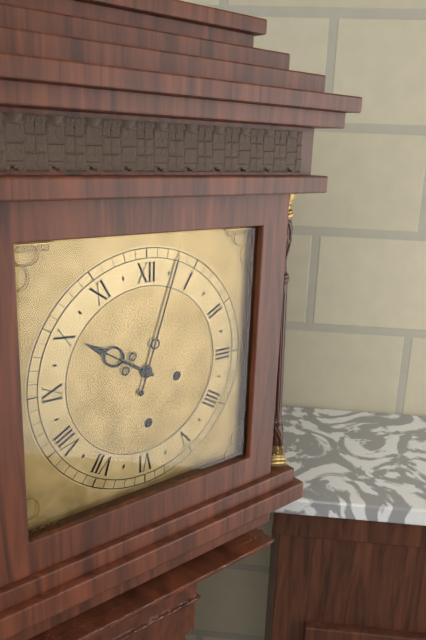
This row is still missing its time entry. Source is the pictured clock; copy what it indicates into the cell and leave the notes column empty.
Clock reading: 10:03
